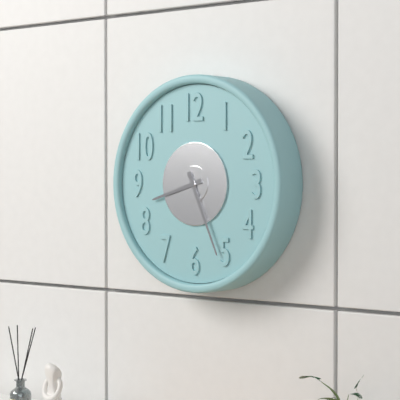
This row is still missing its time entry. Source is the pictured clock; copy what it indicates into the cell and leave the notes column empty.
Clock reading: 8:26
